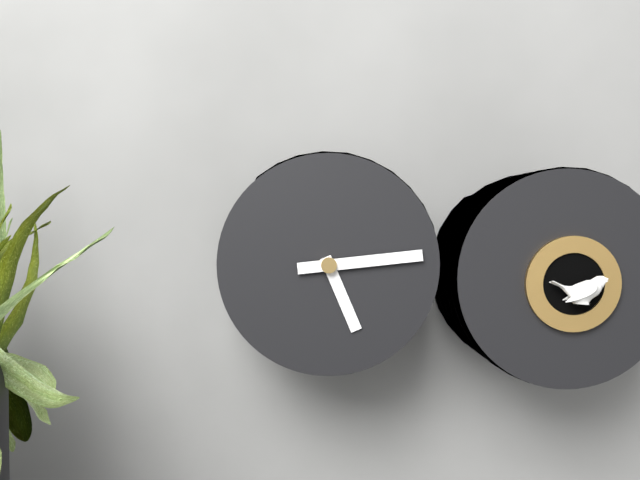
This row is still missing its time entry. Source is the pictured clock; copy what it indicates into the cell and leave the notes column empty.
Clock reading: 5:14
